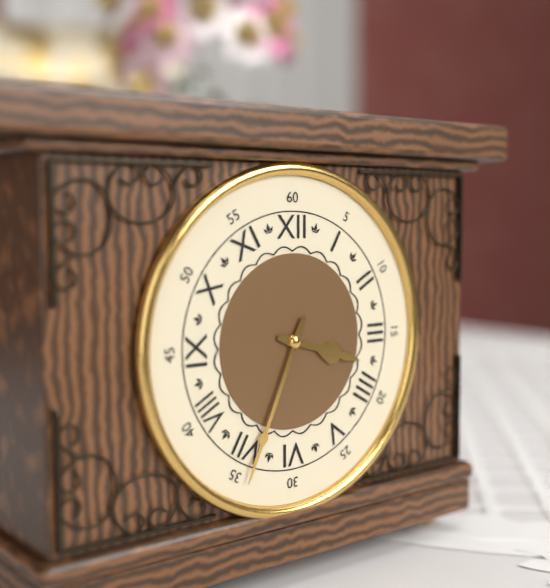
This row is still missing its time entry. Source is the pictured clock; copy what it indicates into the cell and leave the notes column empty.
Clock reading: 3:34
